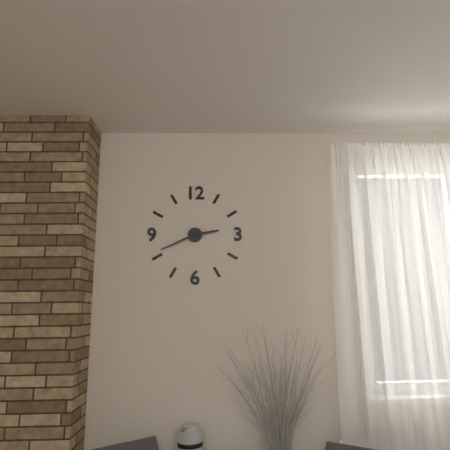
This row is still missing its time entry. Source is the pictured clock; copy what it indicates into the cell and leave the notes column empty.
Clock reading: 2:41
